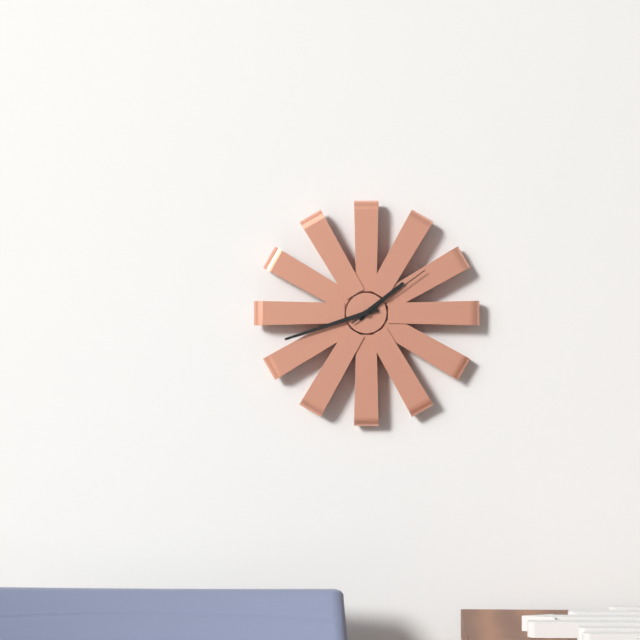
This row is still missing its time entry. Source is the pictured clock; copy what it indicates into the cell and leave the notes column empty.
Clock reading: 1:42:09
